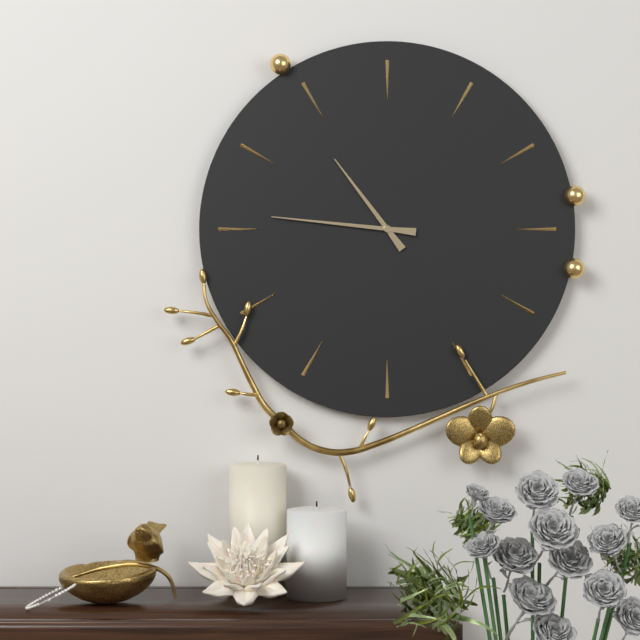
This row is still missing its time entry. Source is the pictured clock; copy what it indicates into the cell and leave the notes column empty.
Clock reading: 10:46
